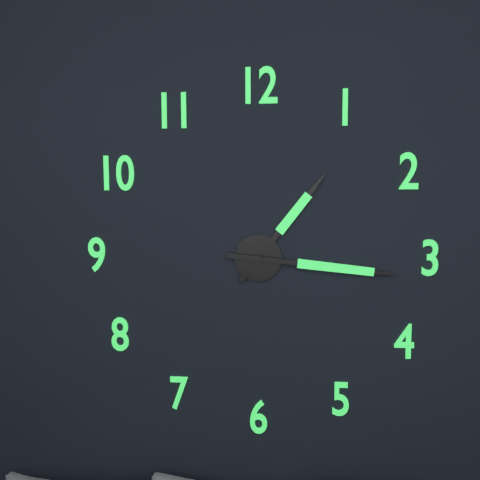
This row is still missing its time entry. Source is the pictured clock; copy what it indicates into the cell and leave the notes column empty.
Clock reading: 1:16
